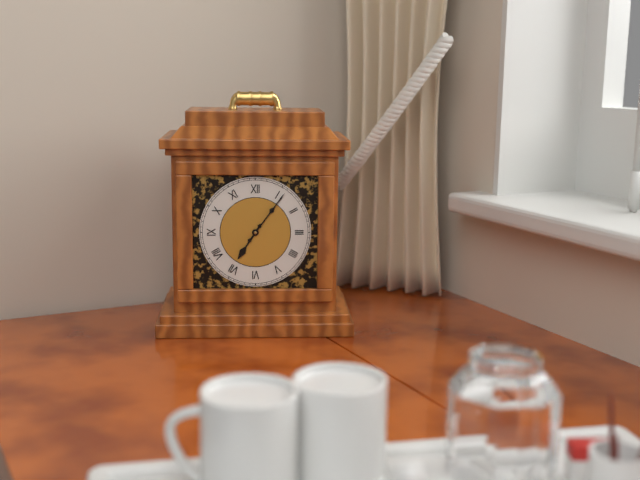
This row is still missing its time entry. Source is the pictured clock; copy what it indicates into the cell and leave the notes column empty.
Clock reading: 7:06
